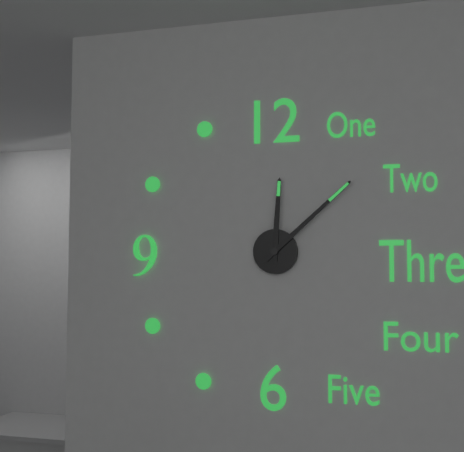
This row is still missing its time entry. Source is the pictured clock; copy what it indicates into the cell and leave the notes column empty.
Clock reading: 12:08
